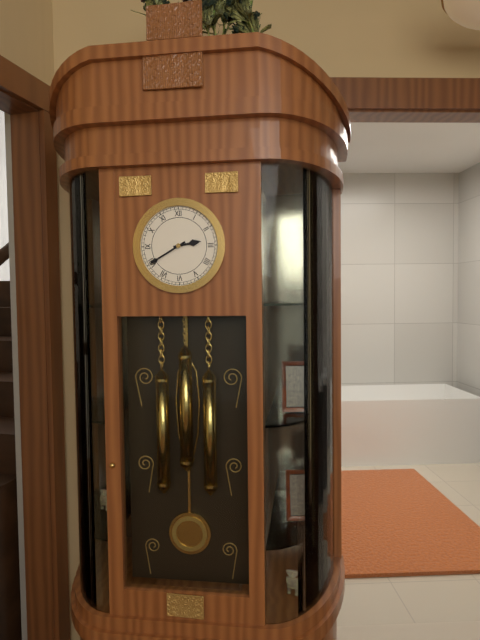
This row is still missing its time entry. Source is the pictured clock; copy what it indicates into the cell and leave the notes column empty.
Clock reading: 2:40
